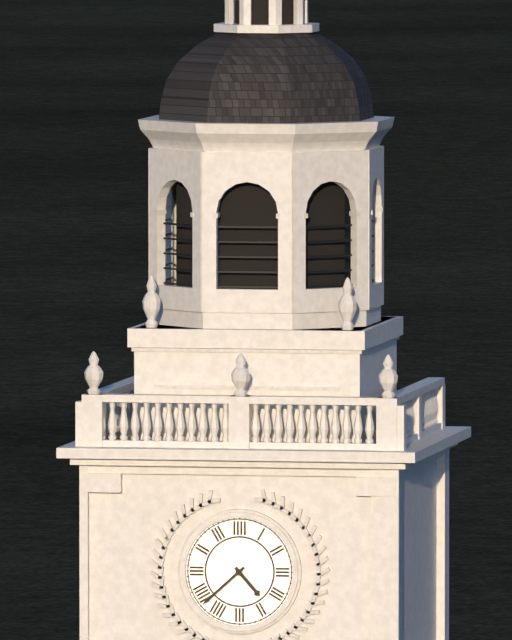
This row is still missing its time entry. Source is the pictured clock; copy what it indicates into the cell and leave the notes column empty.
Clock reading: 4:38
